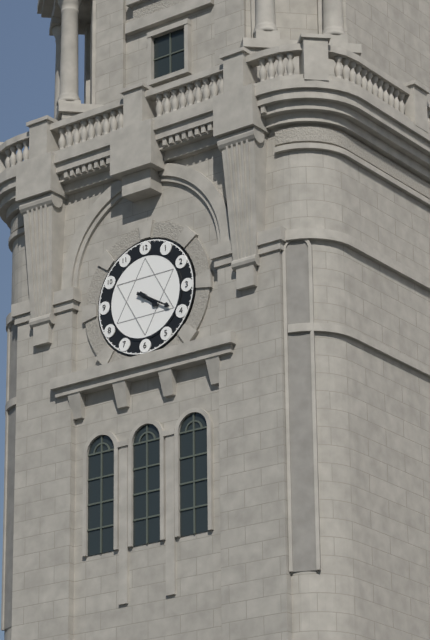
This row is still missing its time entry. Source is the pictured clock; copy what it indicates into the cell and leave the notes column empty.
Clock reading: 4:20
